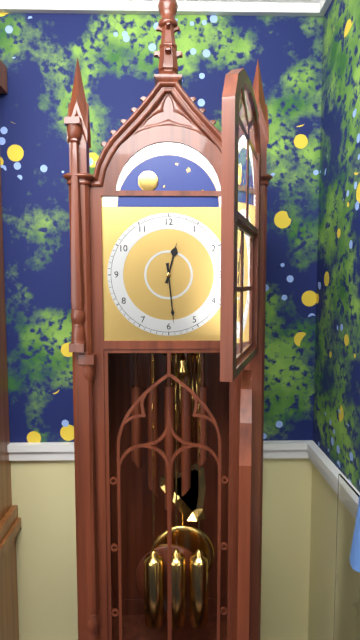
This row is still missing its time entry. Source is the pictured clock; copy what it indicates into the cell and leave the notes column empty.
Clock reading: 12:29
